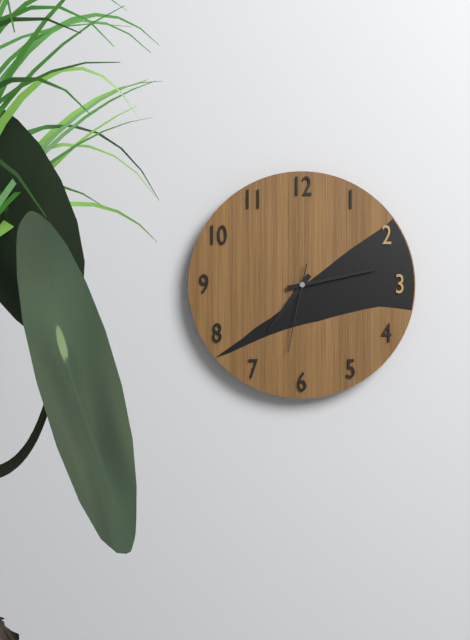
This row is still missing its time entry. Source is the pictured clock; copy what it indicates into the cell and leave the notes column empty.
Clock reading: 7:13:32
